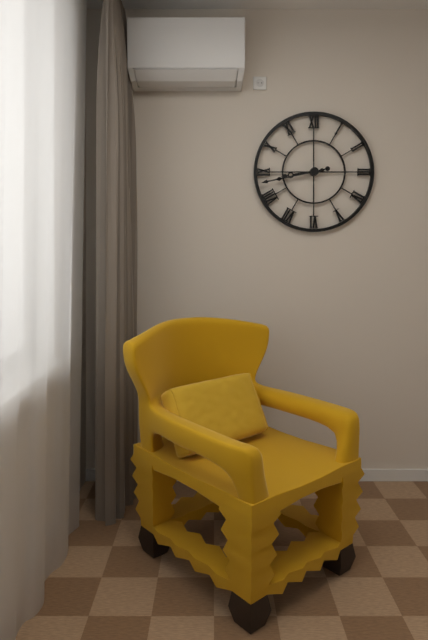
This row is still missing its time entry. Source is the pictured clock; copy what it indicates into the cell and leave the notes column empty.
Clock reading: 8:43
